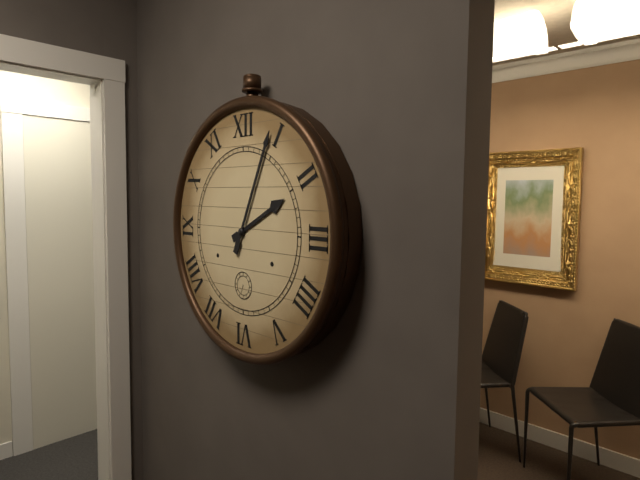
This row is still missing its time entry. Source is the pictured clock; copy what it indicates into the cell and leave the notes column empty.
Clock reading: 2:04
